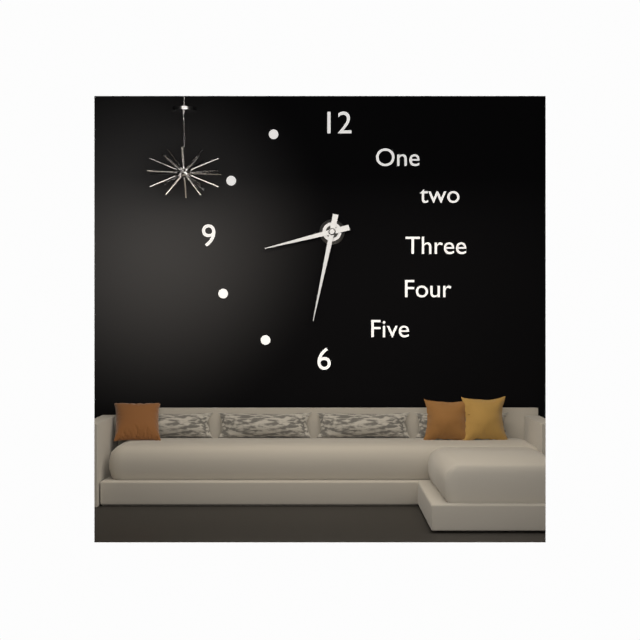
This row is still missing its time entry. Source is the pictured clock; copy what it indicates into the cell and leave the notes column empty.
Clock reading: 8:32
